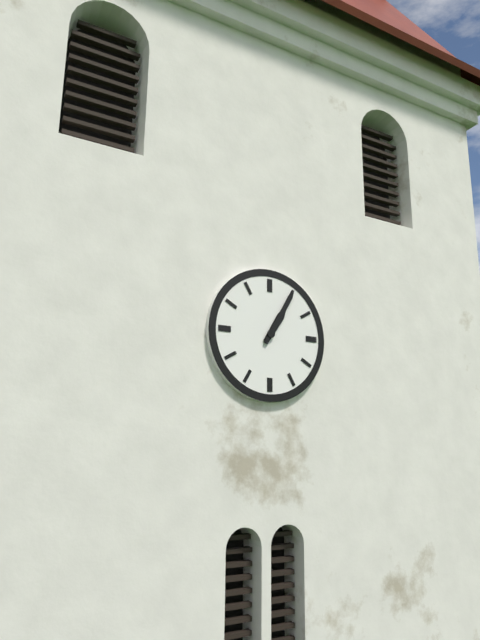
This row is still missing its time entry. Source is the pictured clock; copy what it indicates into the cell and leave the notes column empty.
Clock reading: 1:05
